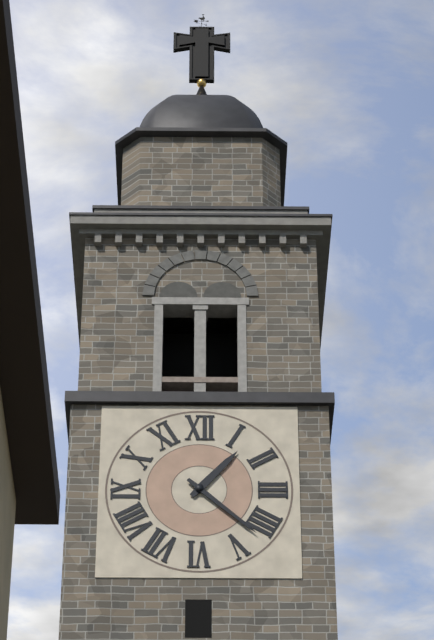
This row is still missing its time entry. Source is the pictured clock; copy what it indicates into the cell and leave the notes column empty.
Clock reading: 1:22
